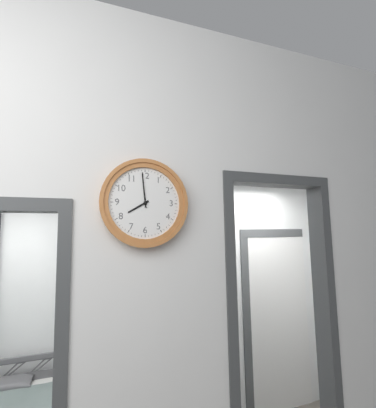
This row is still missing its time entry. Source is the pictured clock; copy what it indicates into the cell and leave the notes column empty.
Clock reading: 7:59
